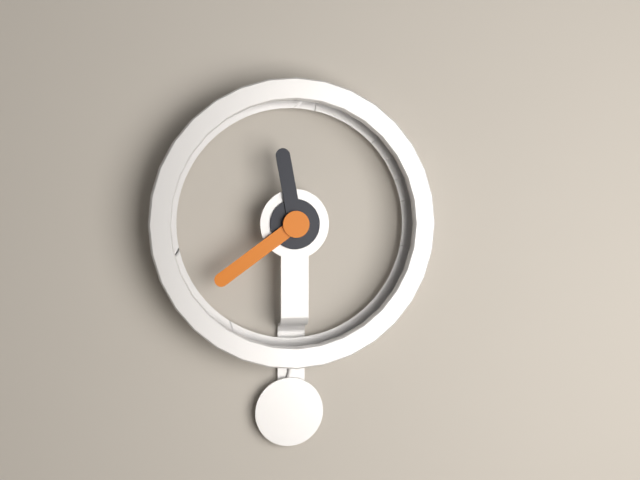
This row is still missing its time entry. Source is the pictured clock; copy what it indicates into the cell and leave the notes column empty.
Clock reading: 11:39
